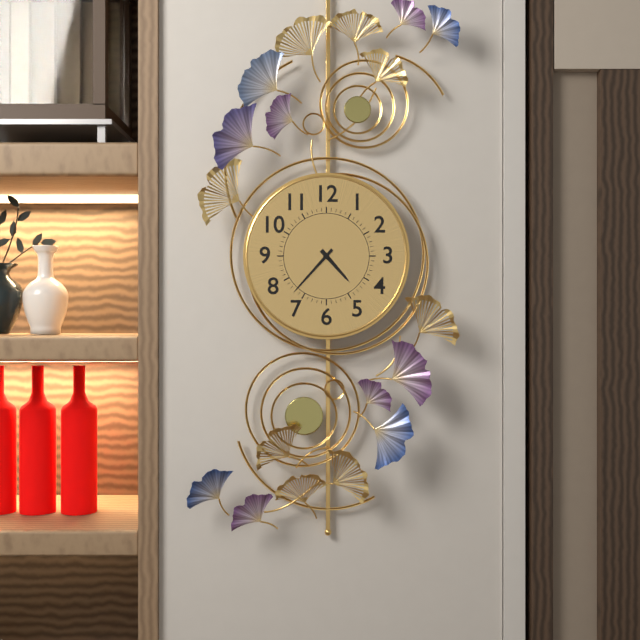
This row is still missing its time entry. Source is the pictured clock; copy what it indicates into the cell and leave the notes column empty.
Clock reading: 4:37
